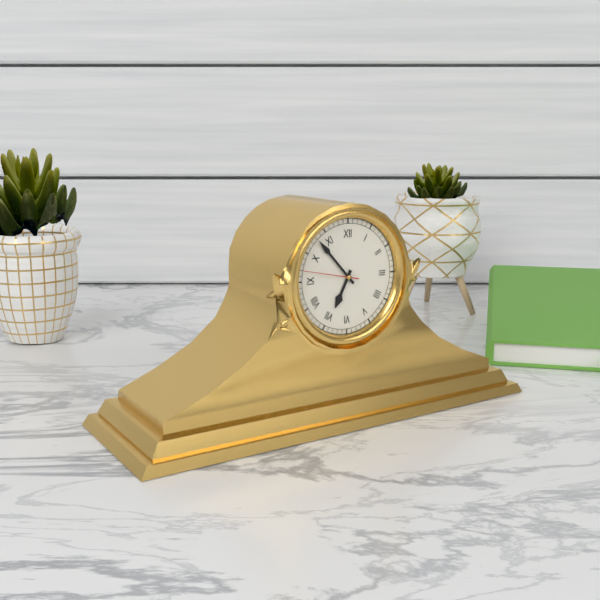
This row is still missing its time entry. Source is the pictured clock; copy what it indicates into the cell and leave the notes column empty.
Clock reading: 6:53:47
